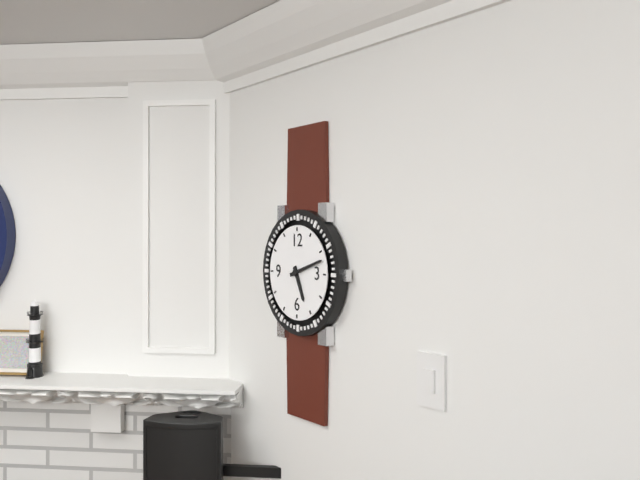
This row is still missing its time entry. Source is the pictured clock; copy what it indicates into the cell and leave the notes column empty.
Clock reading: 5:12
